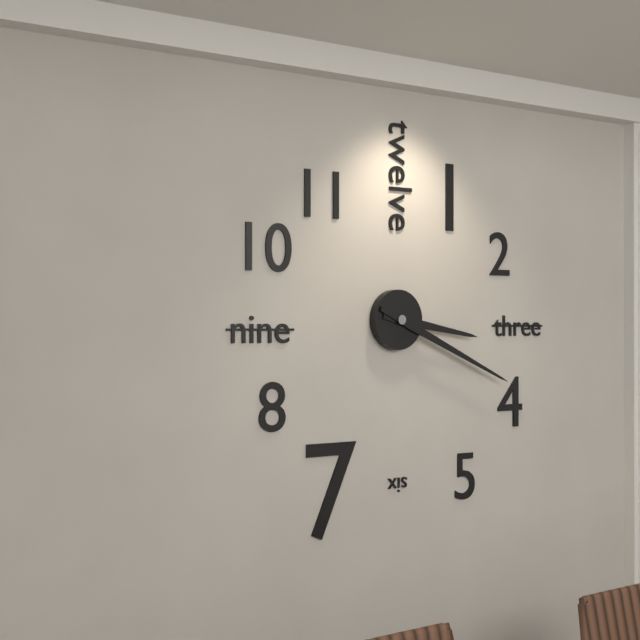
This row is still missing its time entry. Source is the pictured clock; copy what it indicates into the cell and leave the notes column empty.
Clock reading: 3:19
